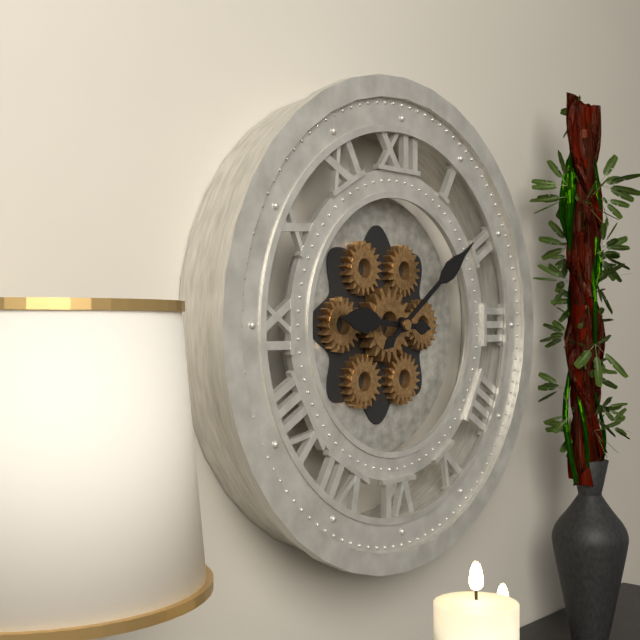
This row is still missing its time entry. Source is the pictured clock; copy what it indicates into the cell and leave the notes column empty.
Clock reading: 9:09
